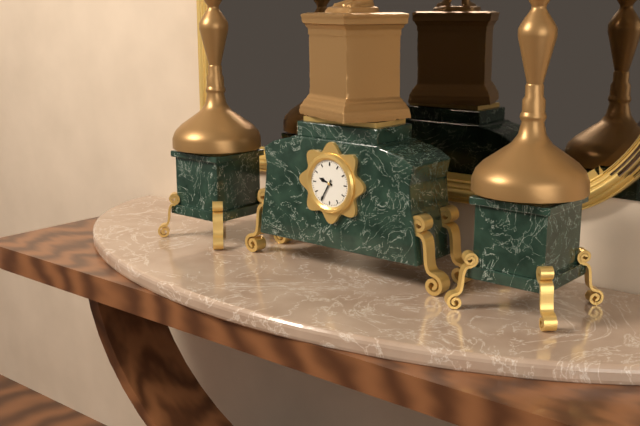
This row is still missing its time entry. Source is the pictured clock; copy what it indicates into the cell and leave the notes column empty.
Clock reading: 9:35
